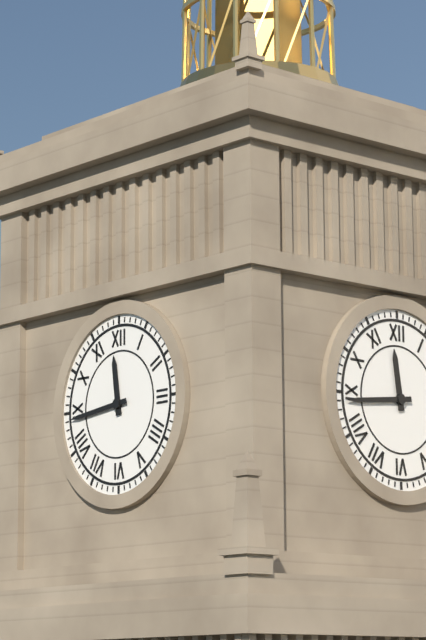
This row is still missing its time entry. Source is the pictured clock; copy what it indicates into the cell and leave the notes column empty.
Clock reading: 11:44
